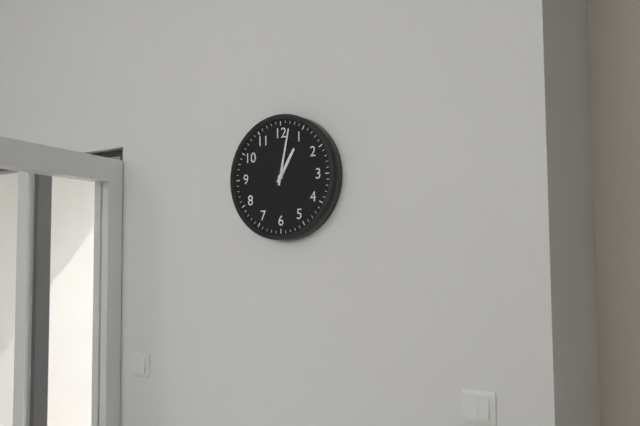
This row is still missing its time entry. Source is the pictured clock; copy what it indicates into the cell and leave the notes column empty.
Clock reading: 1:02
